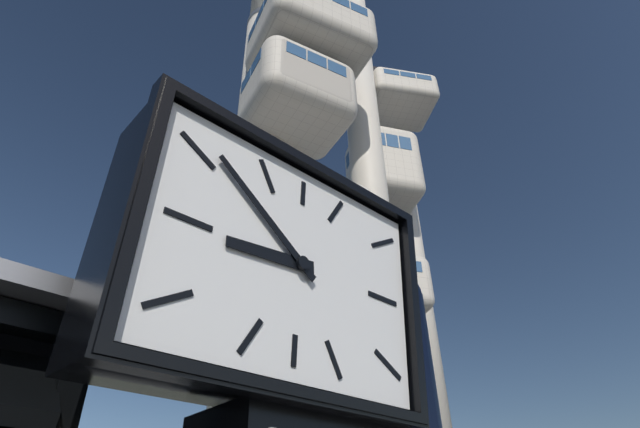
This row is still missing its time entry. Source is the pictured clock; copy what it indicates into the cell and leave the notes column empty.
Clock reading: 8:51
